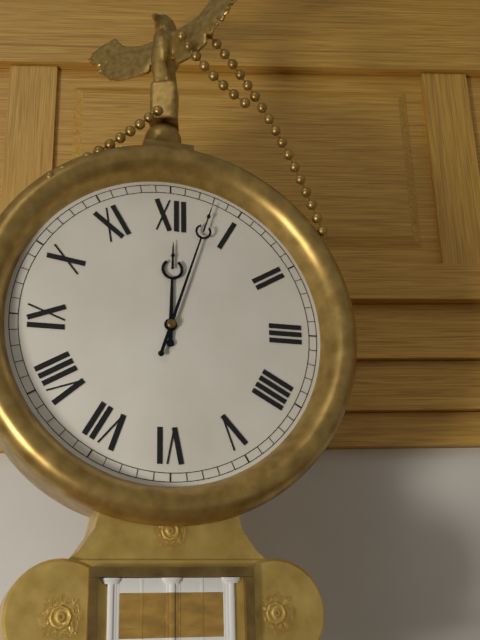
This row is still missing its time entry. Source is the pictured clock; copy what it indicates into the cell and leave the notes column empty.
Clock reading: 12:03
